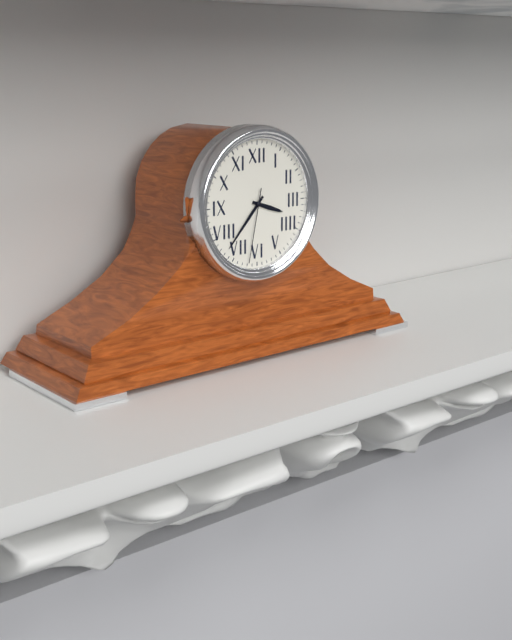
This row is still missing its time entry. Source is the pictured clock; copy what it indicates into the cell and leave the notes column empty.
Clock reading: 3:37:32
